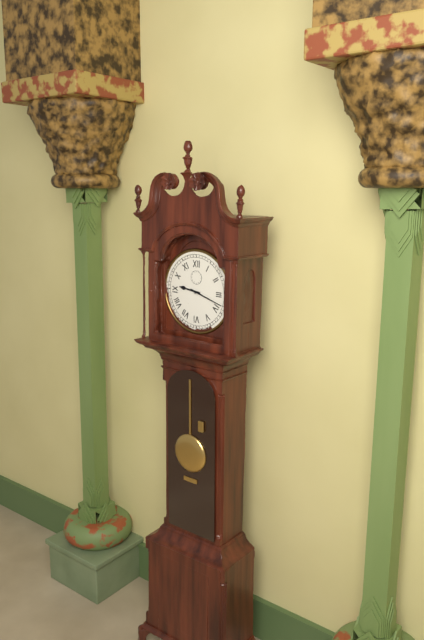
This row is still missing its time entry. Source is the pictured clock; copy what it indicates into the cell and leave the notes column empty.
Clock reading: 9:18
